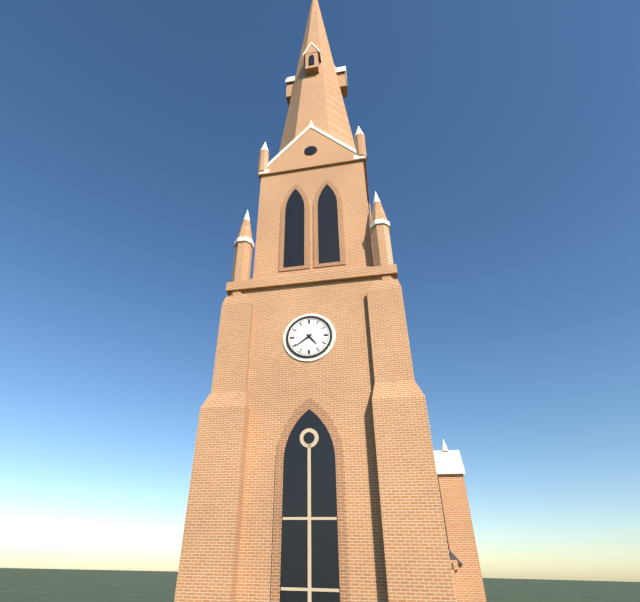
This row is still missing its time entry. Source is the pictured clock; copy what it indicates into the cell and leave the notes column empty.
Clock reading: 4:39
